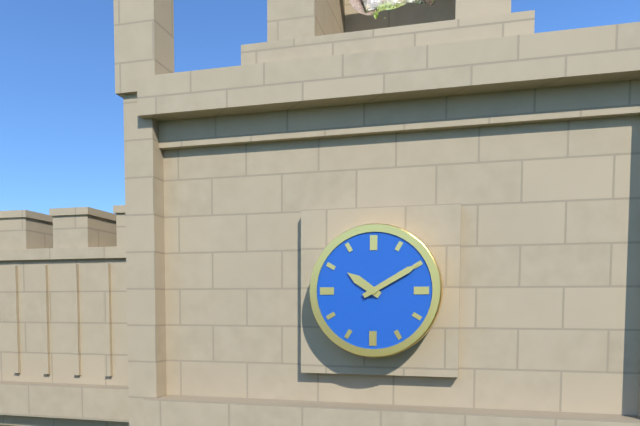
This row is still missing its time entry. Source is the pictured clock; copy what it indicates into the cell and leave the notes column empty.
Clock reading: 10:10
